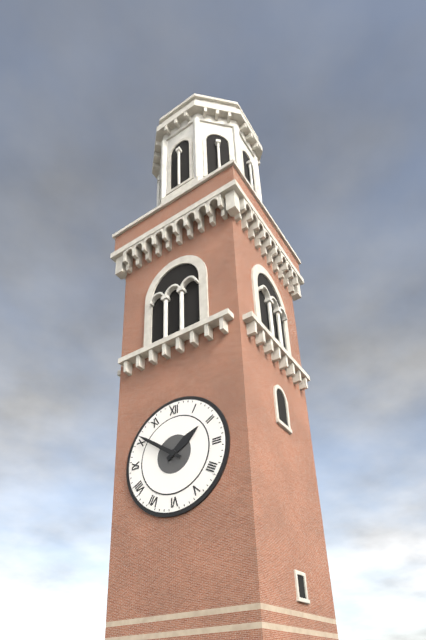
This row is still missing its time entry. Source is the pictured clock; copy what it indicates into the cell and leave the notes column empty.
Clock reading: 1:51
